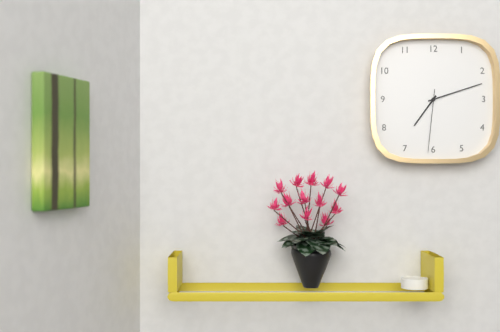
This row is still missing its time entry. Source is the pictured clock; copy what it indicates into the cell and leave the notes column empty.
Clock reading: 7:12:31
